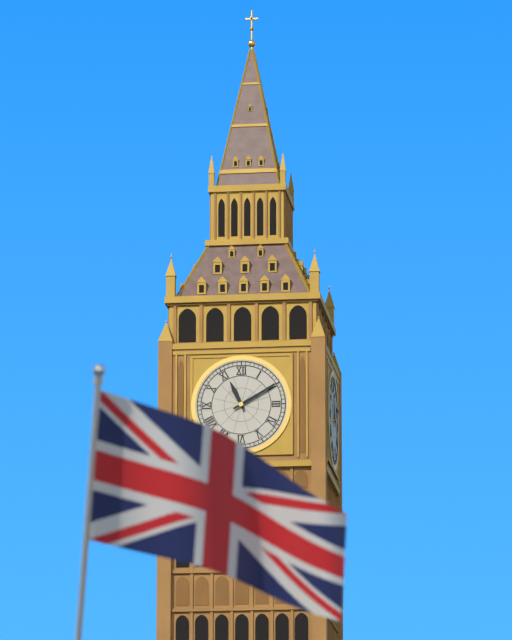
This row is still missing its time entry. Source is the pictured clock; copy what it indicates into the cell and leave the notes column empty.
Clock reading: 11:10
